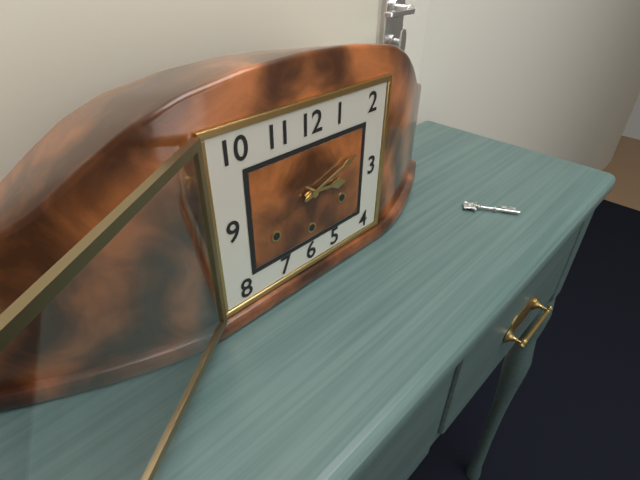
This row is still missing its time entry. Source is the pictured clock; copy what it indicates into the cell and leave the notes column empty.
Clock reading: 3:12
